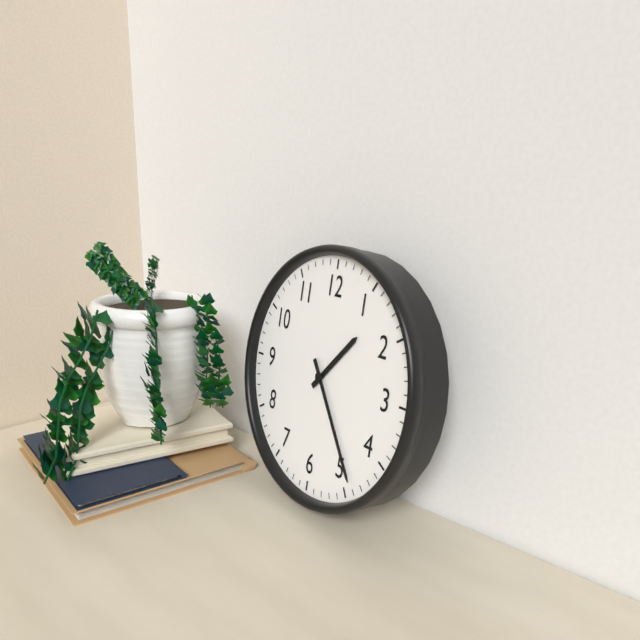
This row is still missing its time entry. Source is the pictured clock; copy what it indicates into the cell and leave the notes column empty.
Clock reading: 1:24
